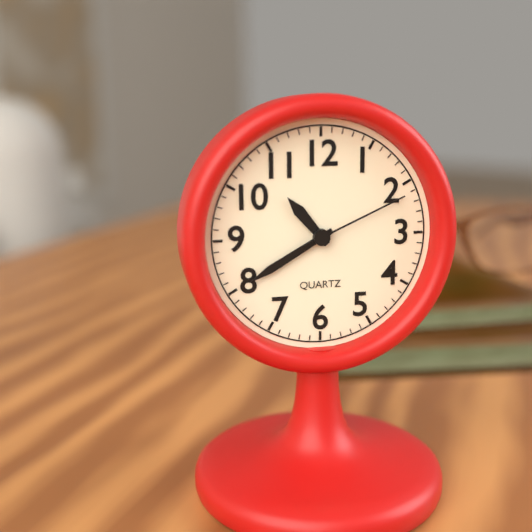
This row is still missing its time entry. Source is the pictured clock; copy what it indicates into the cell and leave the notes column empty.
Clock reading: 10:40:11
